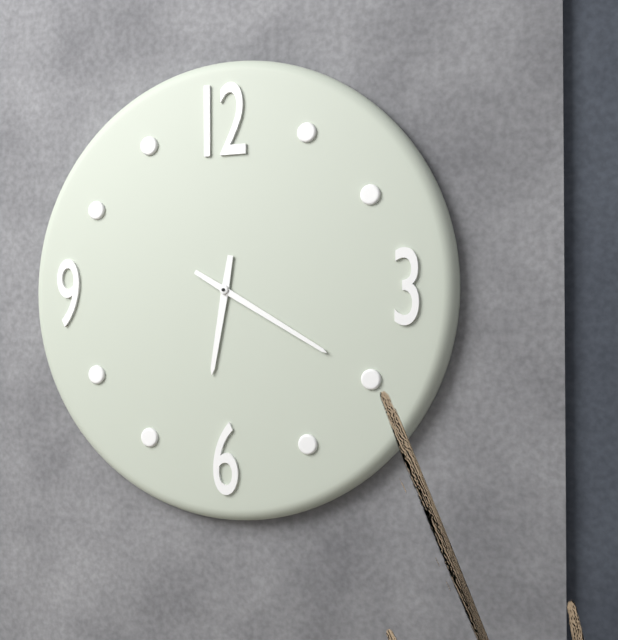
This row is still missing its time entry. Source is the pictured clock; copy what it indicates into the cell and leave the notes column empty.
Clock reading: 6:20
